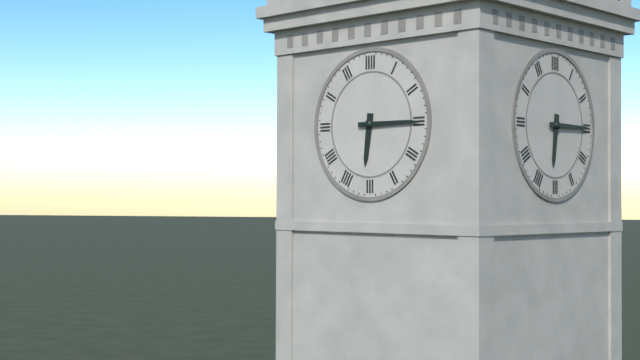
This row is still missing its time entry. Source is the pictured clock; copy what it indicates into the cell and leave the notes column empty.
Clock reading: 6:15
